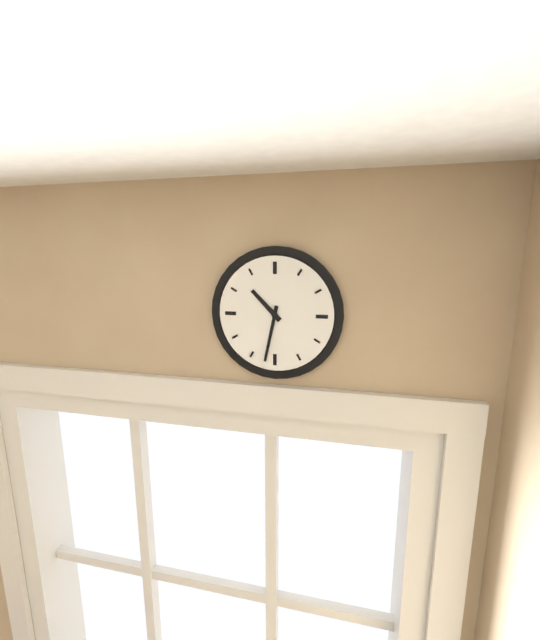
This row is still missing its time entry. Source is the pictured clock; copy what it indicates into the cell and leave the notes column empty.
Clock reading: 10:32
